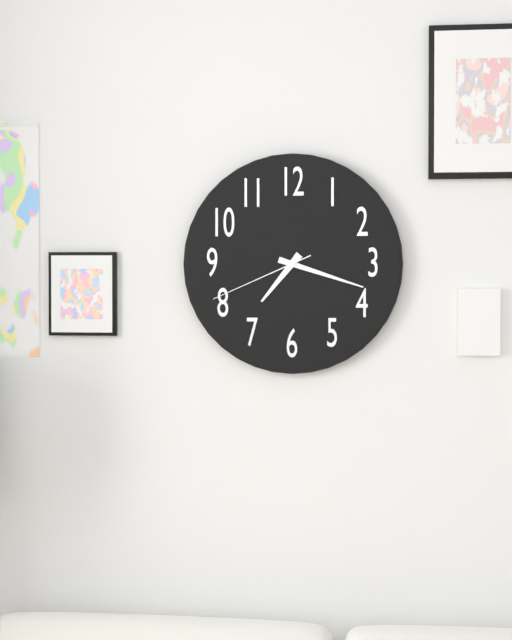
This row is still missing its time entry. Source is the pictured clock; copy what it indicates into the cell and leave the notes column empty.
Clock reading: 7:18:41
